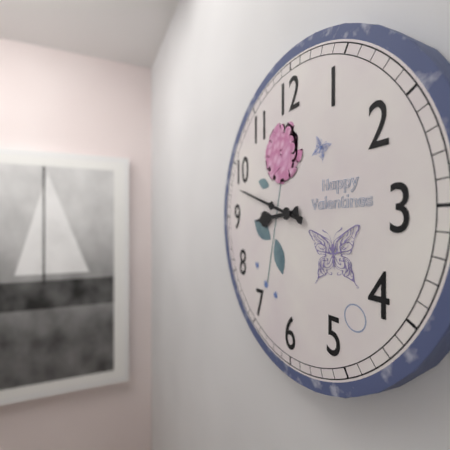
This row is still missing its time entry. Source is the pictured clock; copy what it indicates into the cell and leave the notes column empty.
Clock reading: 8:48
